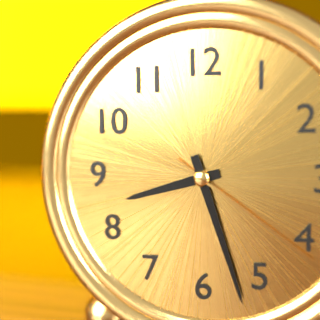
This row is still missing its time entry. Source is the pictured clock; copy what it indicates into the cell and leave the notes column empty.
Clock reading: 8:27:21
